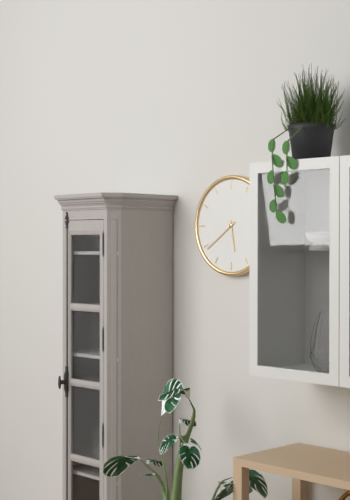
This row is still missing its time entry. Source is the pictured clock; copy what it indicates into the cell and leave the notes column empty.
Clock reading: 5:39
